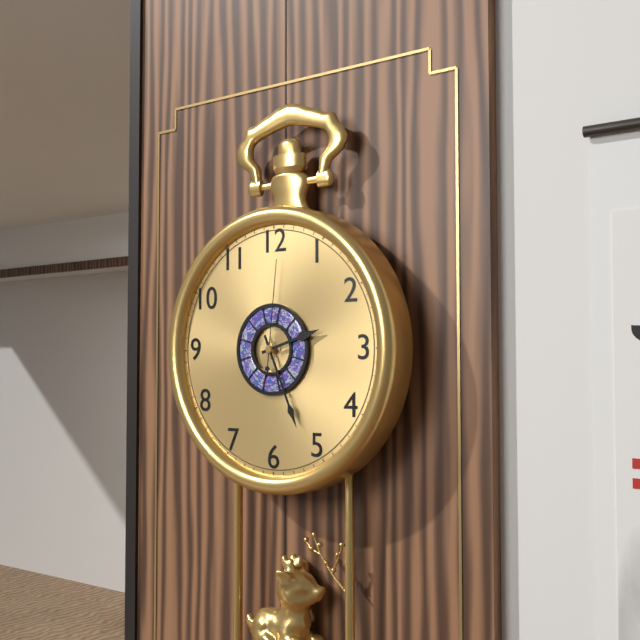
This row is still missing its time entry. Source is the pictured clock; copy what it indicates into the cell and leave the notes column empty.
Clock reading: 2:26:01
